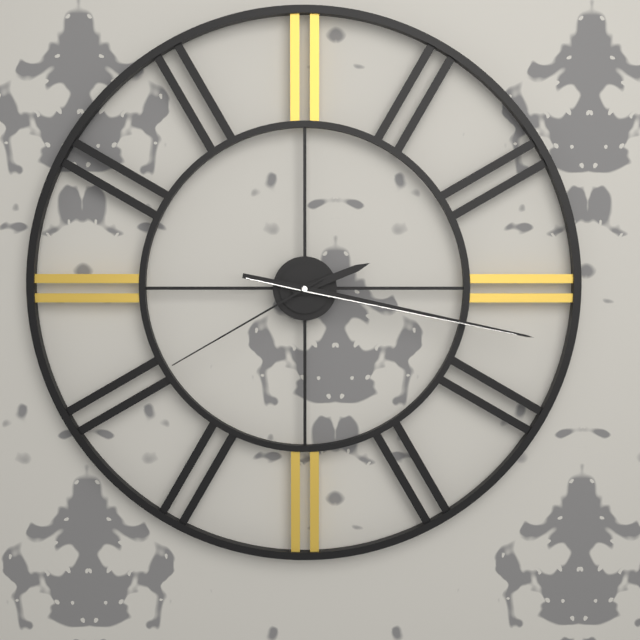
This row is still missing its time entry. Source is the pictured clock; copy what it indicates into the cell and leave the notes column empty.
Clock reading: 2:17:40
